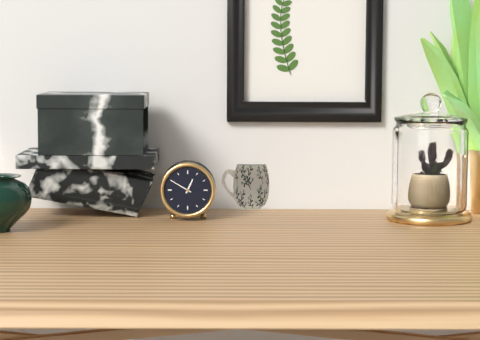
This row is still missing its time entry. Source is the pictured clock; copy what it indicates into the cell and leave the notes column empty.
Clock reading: 12:50
